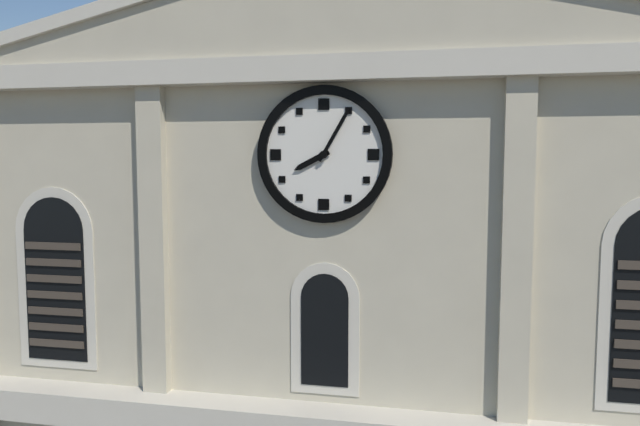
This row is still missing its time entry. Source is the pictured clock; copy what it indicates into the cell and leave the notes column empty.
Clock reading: 8:05
